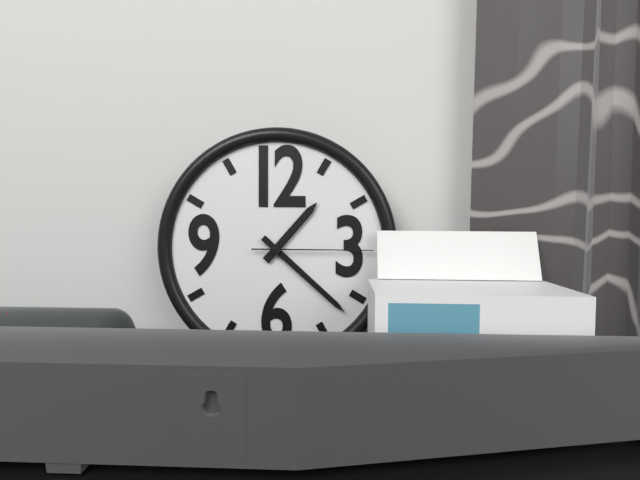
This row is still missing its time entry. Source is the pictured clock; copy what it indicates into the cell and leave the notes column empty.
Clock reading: 1:22:15
